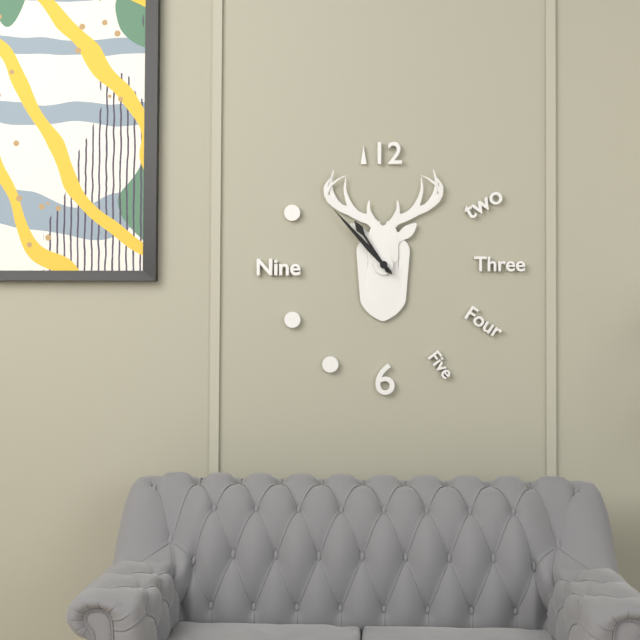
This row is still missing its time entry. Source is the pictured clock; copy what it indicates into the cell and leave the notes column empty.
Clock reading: 10:53
